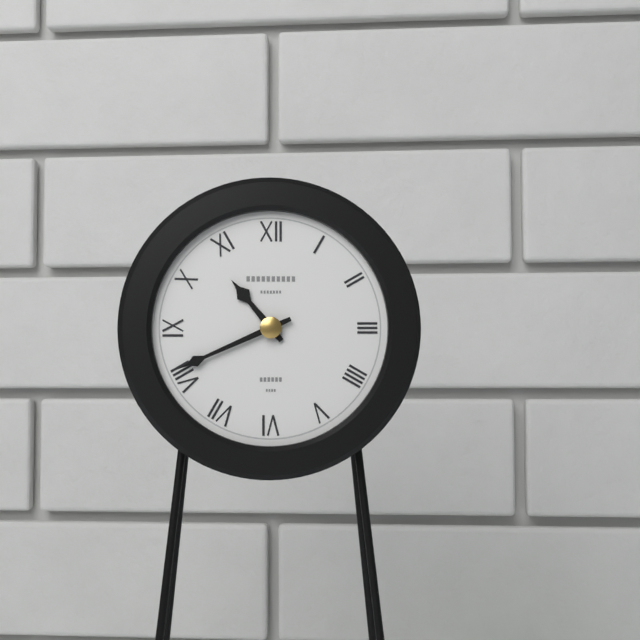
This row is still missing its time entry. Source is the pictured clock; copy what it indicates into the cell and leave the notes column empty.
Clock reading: 10:41
